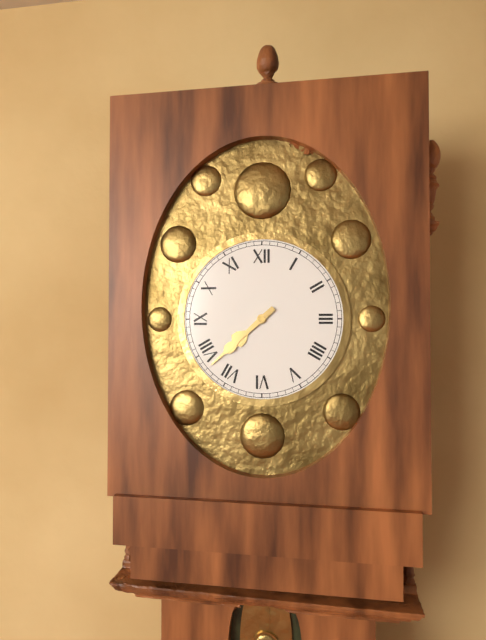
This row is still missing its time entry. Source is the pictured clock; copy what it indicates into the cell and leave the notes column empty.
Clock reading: 7:38
